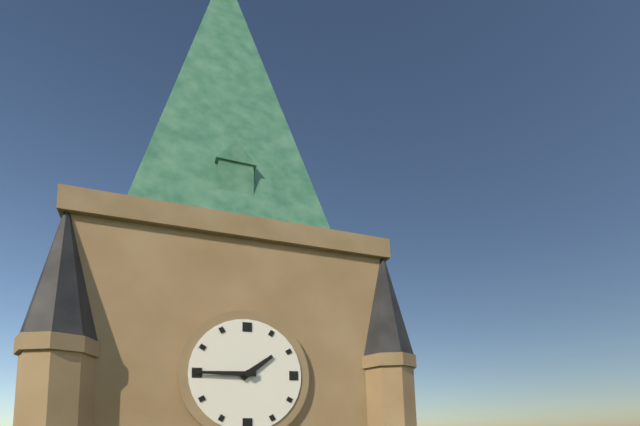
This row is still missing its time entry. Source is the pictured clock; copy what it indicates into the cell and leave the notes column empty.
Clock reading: 1:45
